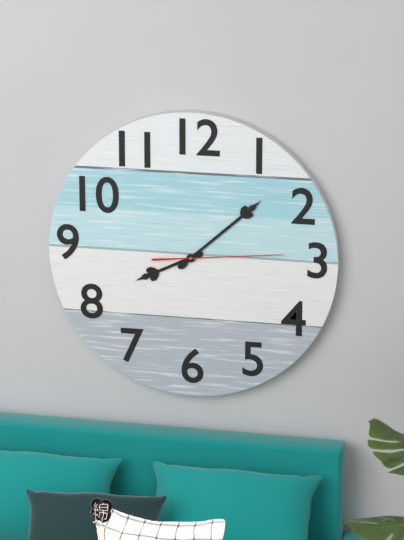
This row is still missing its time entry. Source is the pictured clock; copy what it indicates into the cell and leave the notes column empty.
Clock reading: 8:08:14
